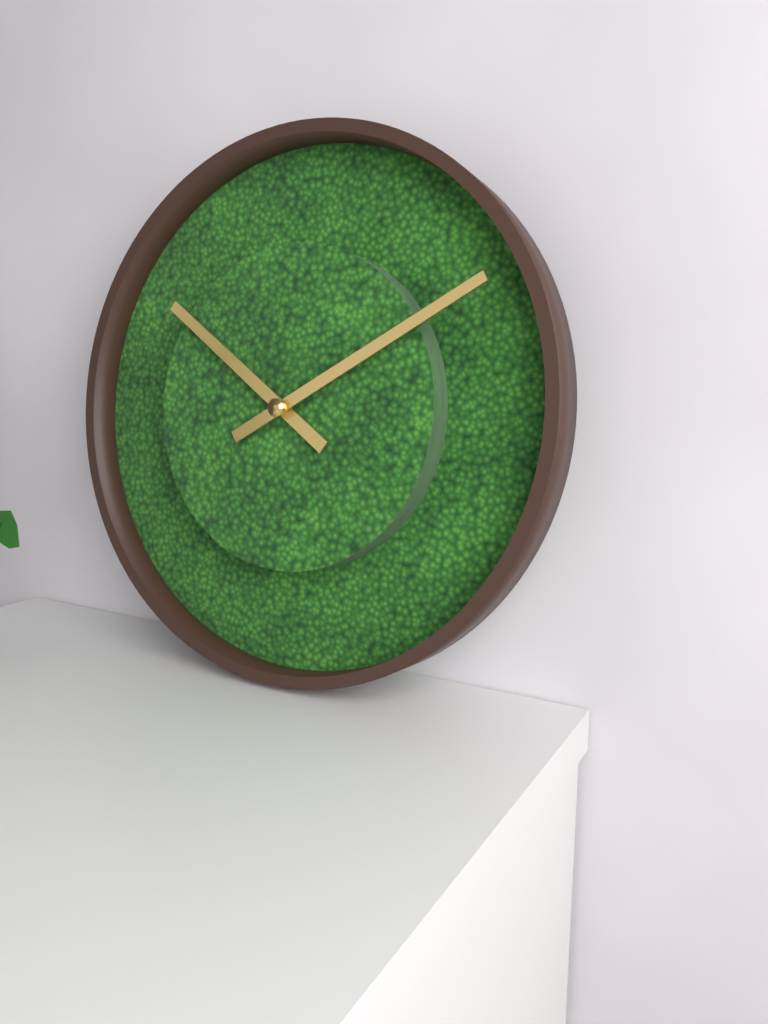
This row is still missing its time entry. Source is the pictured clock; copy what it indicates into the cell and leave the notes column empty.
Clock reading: 10:10
